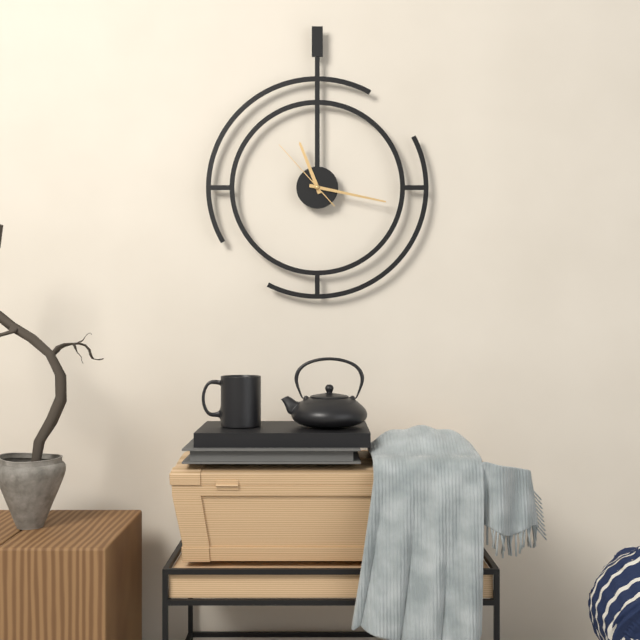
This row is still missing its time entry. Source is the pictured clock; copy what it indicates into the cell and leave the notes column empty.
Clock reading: 11:17:53
